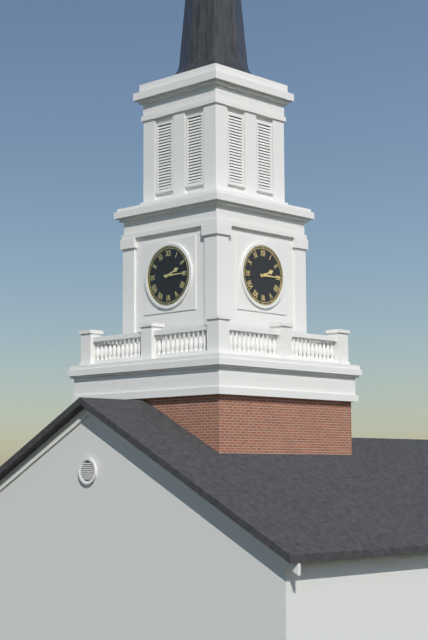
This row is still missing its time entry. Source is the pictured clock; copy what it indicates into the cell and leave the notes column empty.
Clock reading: 2:15
